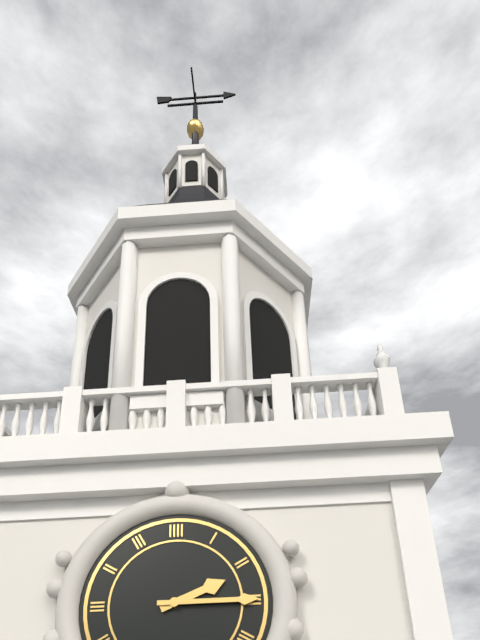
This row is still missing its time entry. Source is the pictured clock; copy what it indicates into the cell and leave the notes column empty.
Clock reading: 2:15
